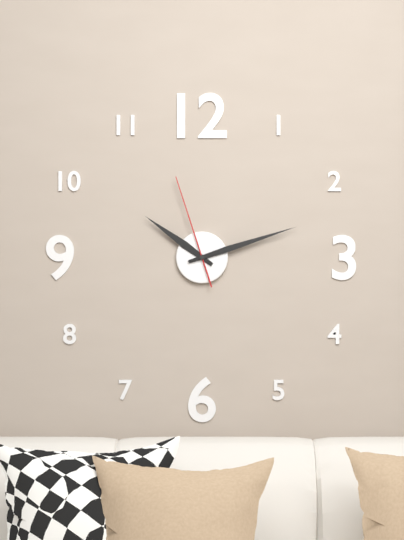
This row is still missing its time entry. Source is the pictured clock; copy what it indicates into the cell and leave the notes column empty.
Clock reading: 10:12:57
